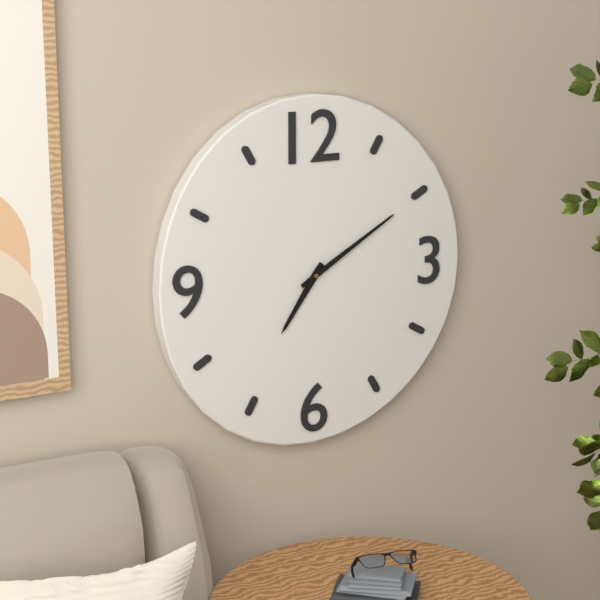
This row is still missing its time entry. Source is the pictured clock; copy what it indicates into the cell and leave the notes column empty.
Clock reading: 7:10
